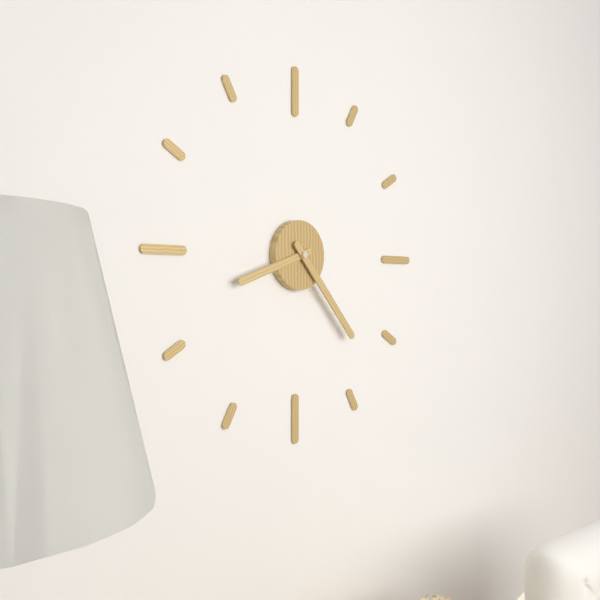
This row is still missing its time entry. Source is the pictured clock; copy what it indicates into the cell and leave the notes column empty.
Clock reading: 8:23
